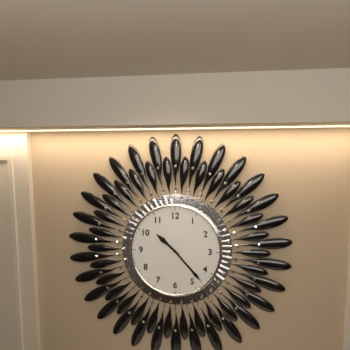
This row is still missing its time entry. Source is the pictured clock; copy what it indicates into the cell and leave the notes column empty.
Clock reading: 10:23:23
